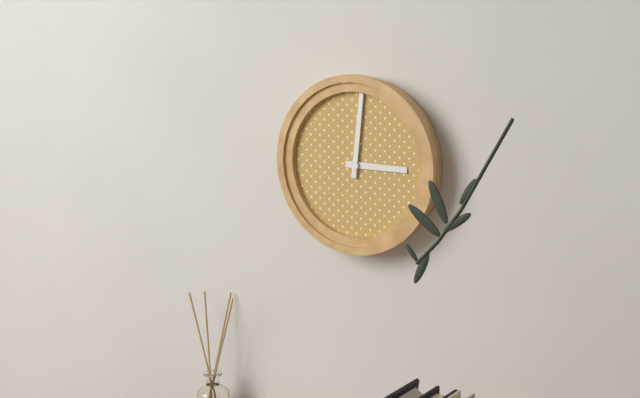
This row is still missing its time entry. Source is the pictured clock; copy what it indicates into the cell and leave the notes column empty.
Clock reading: 3:01
